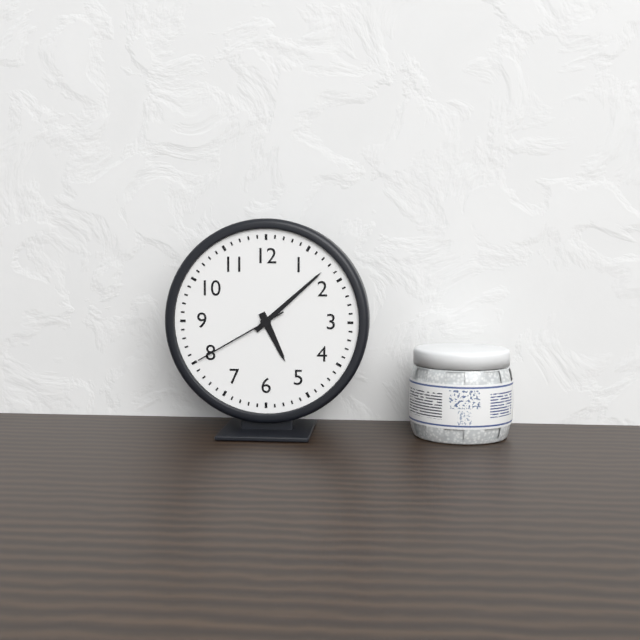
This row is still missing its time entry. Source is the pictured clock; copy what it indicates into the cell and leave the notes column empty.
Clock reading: 5:08:40
